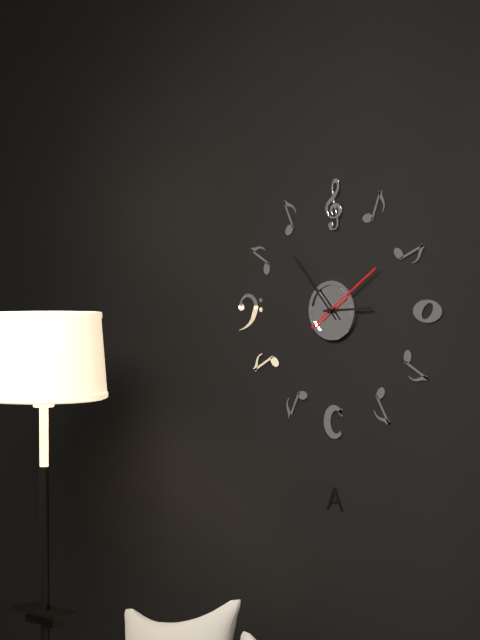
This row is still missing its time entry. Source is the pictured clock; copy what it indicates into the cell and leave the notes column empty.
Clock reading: 2:53:09
